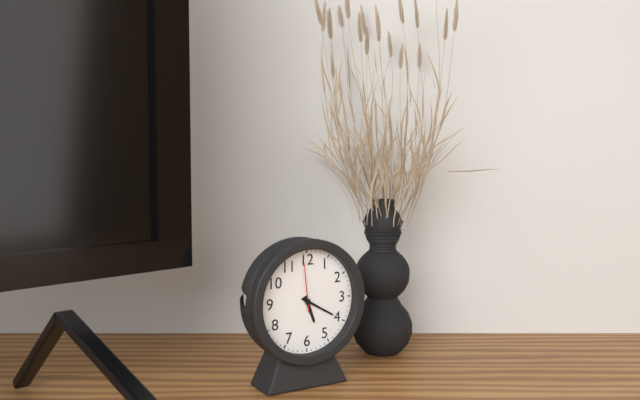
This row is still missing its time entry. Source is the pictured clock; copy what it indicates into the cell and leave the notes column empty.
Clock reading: 5:20
